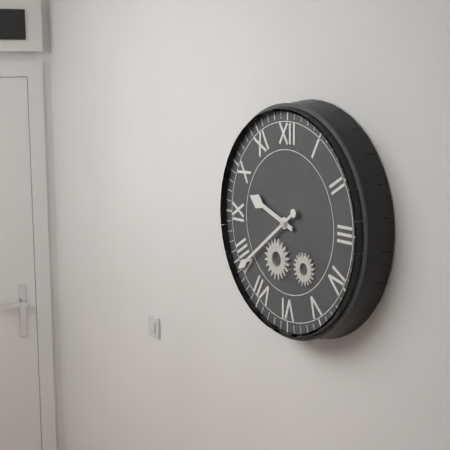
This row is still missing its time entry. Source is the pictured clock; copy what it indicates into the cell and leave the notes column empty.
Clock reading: 9:39
